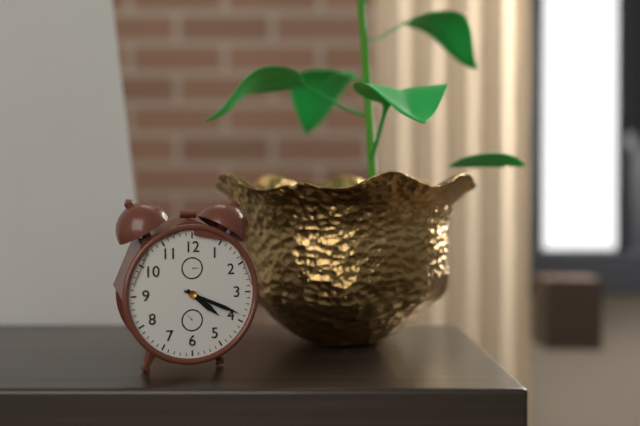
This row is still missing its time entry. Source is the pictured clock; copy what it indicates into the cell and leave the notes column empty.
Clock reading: 4:19
